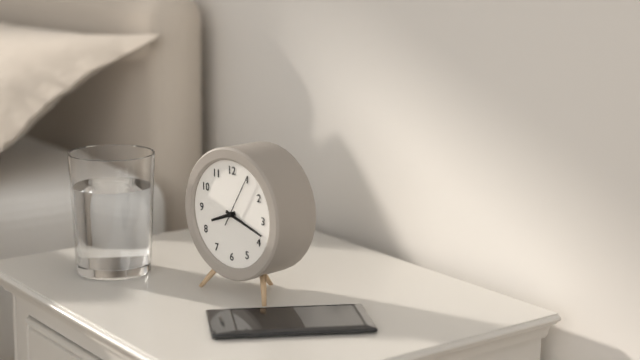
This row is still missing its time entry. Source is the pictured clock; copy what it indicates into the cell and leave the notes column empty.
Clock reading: 8:18
